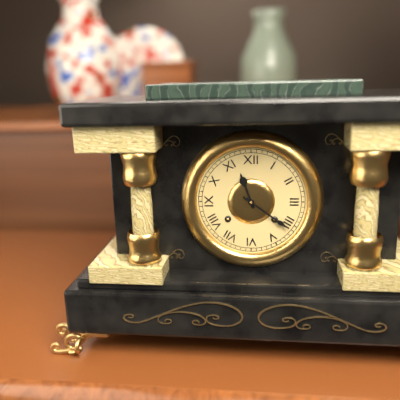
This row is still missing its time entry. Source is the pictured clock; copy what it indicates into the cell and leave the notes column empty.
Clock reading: 11:21
